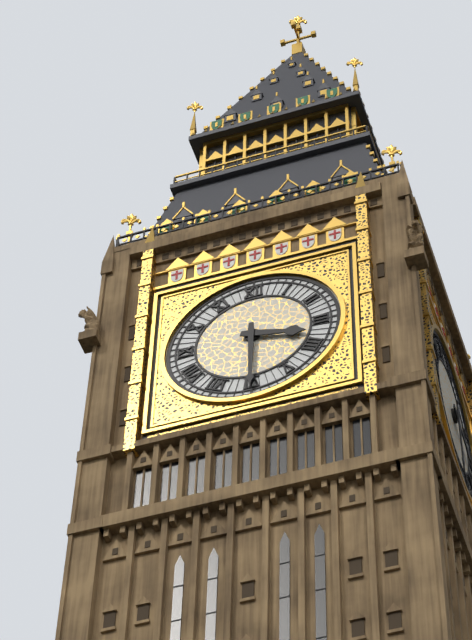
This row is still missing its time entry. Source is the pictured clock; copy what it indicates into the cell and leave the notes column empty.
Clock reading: 3:30
